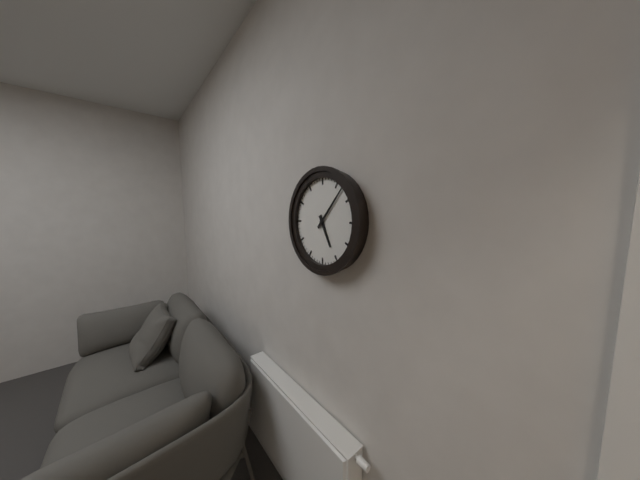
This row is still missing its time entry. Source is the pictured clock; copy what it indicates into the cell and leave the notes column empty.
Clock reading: 5:07
